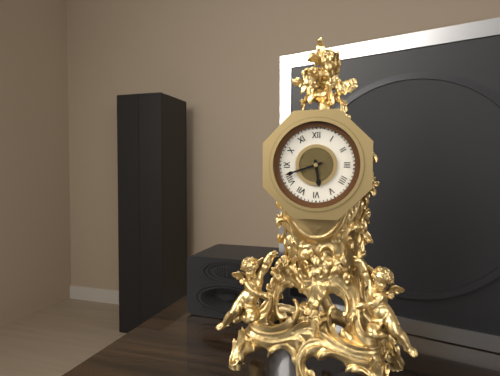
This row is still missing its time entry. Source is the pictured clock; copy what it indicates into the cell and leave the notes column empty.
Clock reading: 5:42
